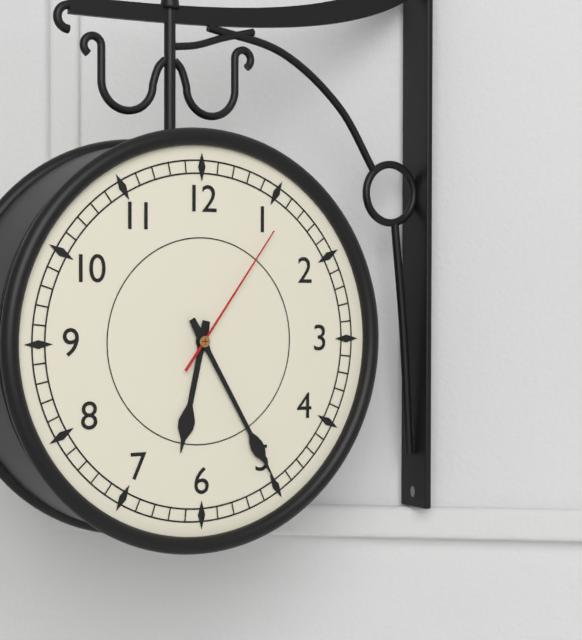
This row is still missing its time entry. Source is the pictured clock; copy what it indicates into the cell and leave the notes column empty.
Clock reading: 6:25:06
